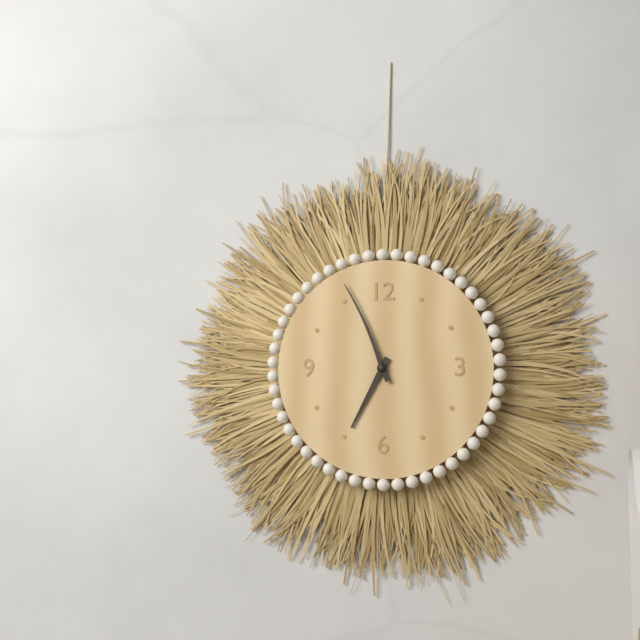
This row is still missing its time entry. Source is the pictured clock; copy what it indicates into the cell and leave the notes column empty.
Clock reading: 6:56
